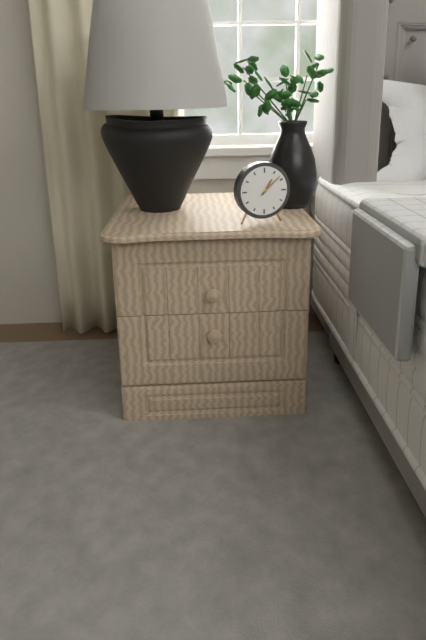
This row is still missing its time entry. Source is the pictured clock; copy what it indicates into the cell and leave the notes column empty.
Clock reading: 1:08
